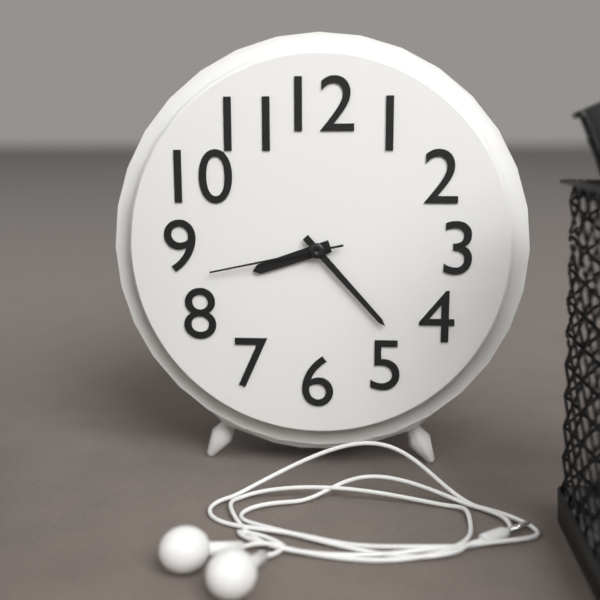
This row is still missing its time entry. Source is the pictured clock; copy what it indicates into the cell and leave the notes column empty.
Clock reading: 8:23:43
